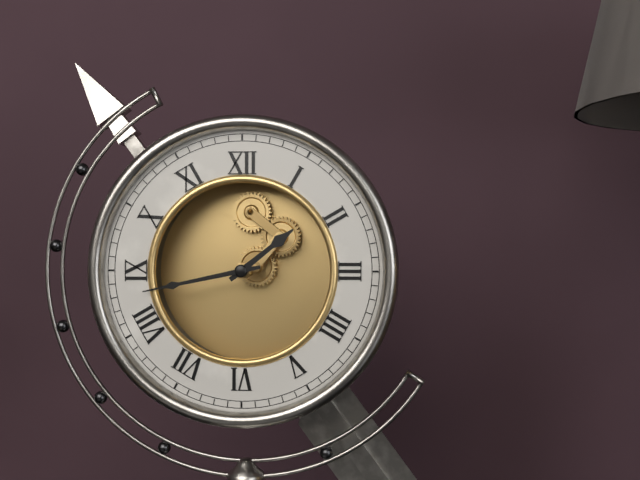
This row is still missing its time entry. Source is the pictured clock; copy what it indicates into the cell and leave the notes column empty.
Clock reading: 1:43
